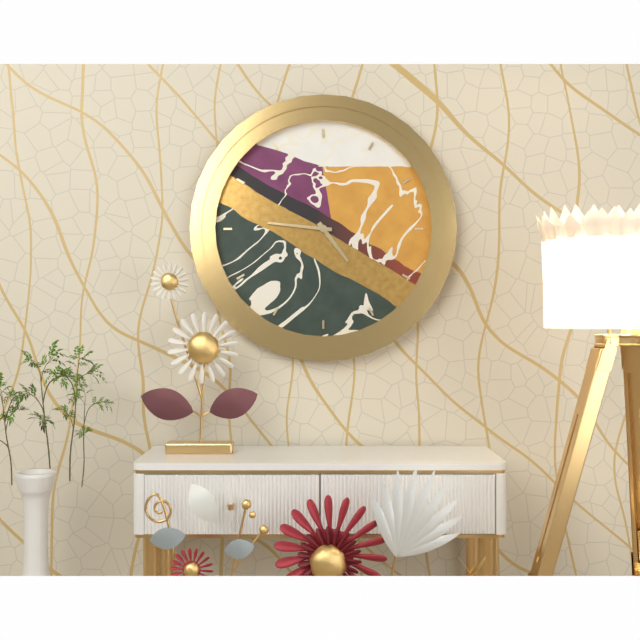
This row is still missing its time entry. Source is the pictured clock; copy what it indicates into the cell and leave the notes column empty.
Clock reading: 4:46
